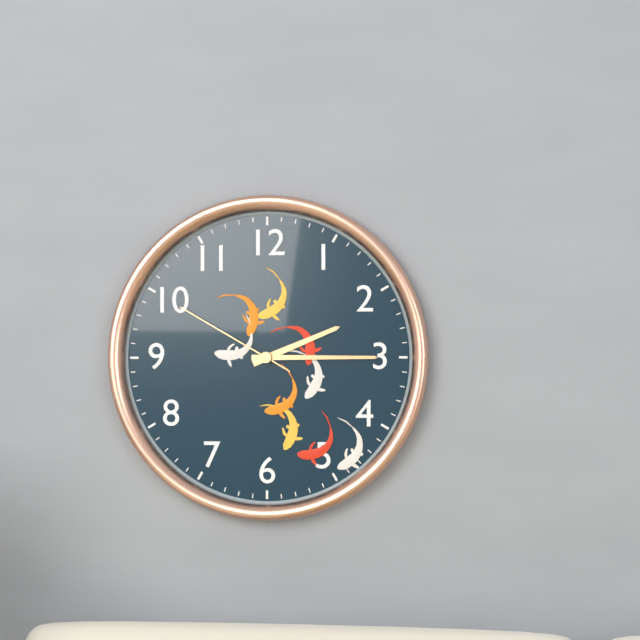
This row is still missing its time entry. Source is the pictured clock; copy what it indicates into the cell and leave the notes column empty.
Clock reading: 2:15:50
